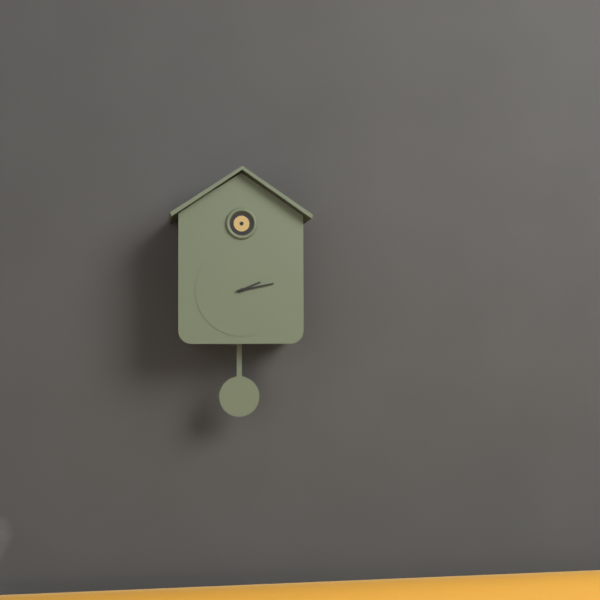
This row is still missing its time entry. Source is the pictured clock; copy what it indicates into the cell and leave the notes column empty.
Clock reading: 2:13
